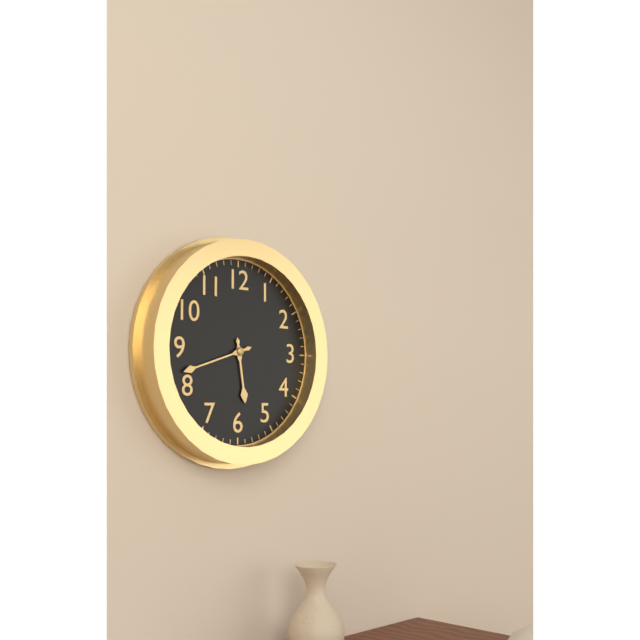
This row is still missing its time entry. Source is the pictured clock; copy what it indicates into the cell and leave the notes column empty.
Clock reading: 5:42
